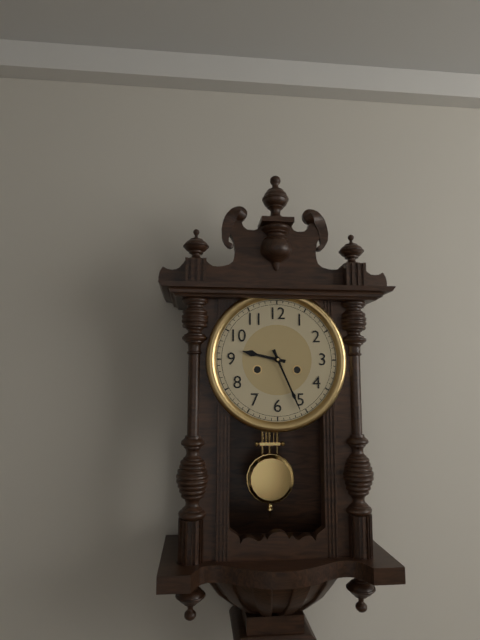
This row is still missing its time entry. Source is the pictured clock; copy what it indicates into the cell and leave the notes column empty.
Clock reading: 9:26
